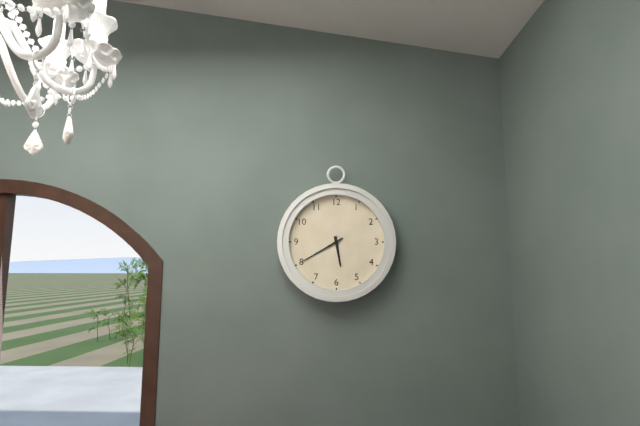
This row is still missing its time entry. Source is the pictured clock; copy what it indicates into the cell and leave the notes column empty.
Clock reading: 5:40
